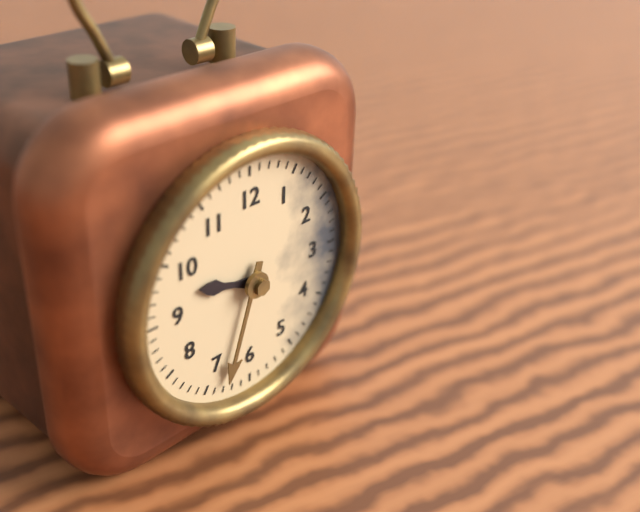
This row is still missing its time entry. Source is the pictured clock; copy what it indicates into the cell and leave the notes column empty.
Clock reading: 9:33
